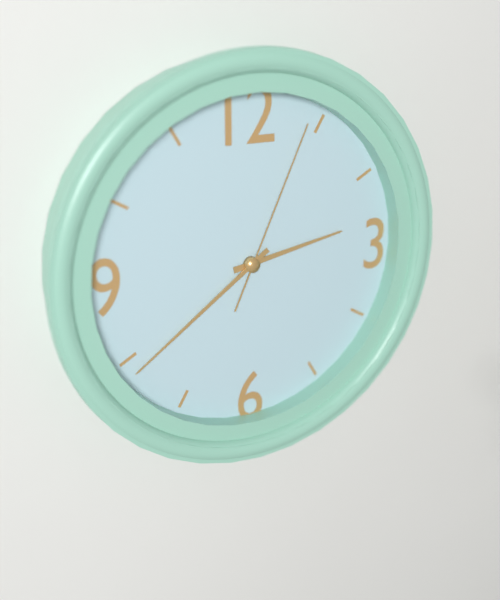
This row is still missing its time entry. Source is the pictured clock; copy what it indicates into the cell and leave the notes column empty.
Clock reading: 2:39:04
